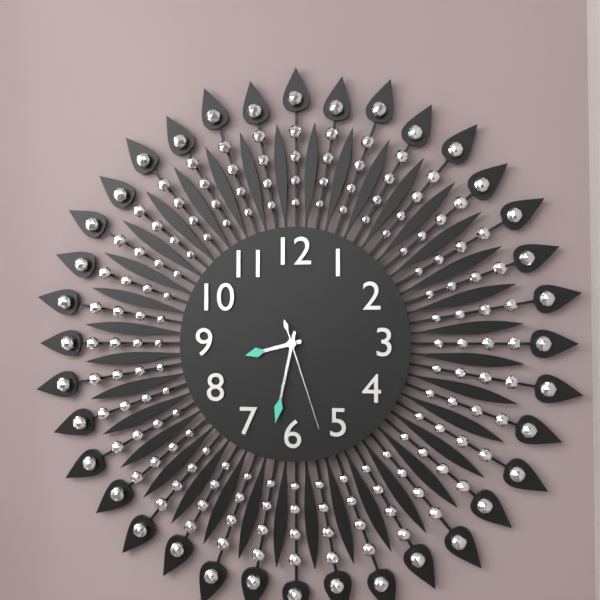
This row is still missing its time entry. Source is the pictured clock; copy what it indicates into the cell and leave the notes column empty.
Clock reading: 8:32:27
